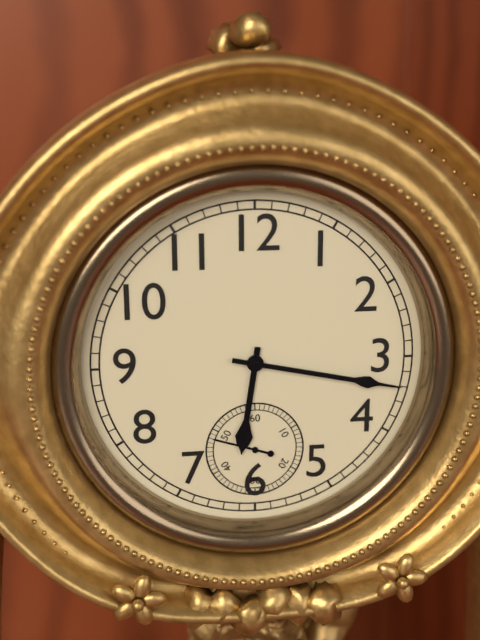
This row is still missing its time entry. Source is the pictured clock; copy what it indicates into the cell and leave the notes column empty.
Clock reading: 6:17:48
